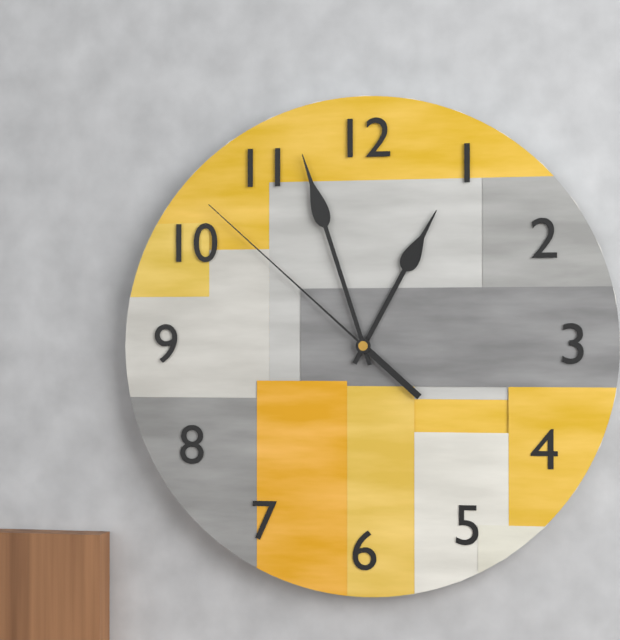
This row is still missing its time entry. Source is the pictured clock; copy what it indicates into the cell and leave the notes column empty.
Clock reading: 12:57:52
